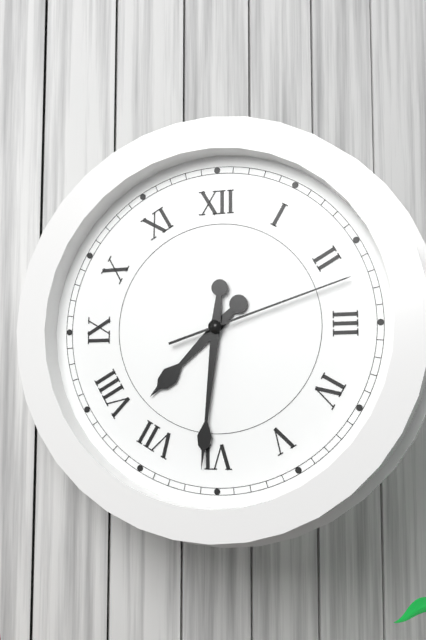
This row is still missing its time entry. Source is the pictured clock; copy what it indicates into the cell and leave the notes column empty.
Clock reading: 7:31:12
